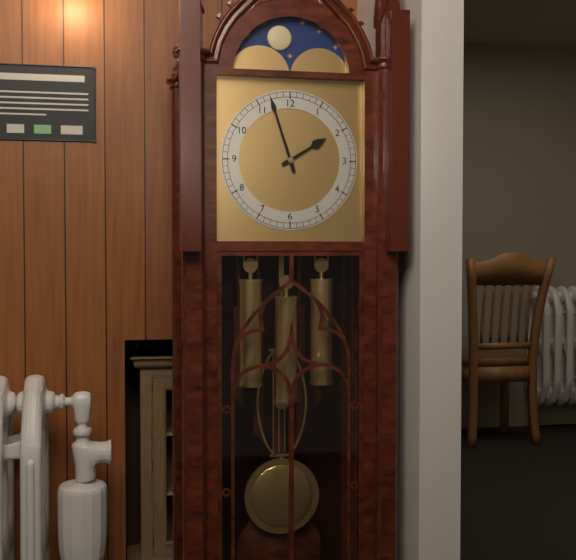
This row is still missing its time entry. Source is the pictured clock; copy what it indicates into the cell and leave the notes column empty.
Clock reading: 1:57
